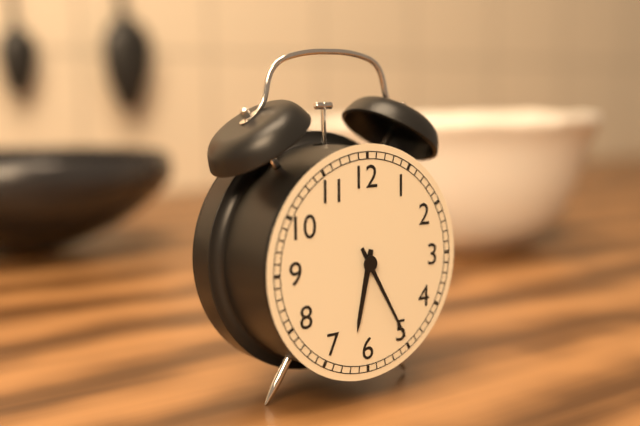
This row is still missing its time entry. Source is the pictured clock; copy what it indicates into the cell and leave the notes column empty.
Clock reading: 6:25
